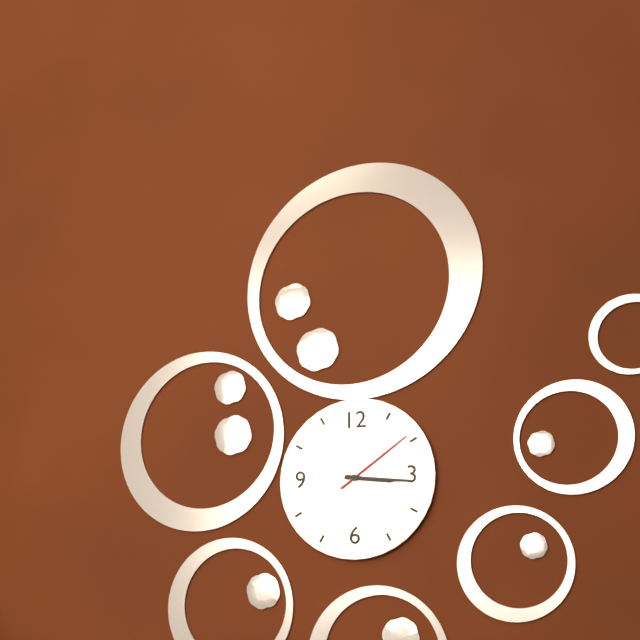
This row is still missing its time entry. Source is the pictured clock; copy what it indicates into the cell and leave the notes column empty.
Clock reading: 3:16:09
